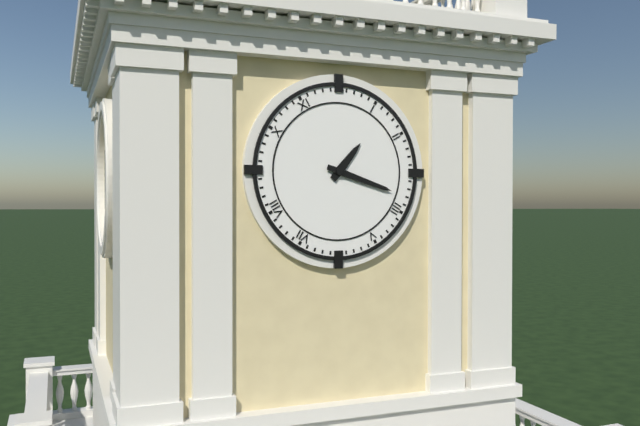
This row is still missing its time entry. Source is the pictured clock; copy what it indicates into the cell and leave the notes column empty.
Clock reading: 1:18
